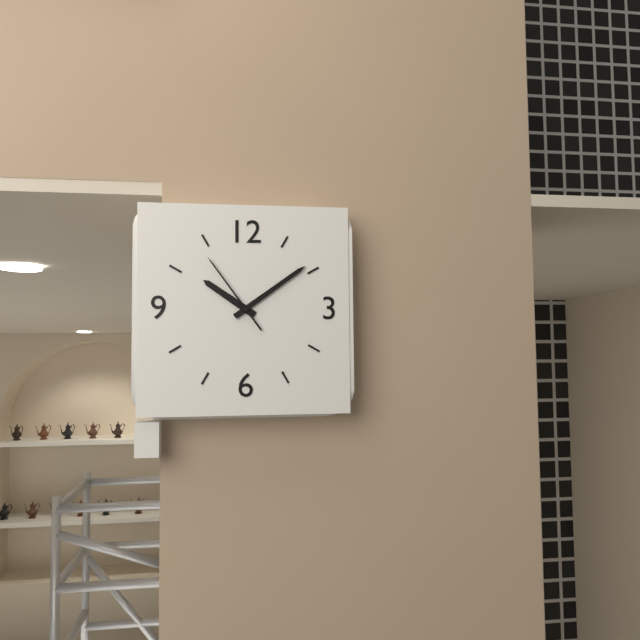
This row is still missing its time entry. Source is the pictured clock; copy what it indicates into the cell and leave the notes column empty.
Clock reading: 10:09:54
